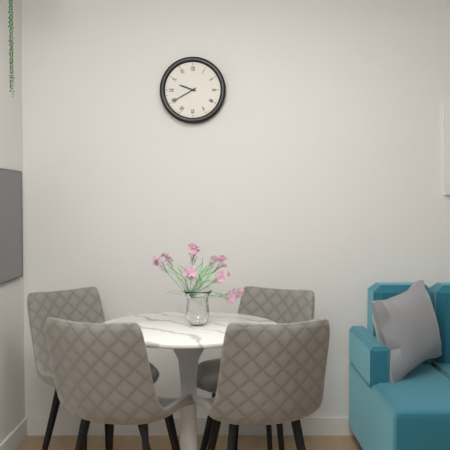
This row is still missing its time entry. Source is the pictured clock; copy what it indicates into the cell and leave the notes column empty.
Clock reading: 9:40
